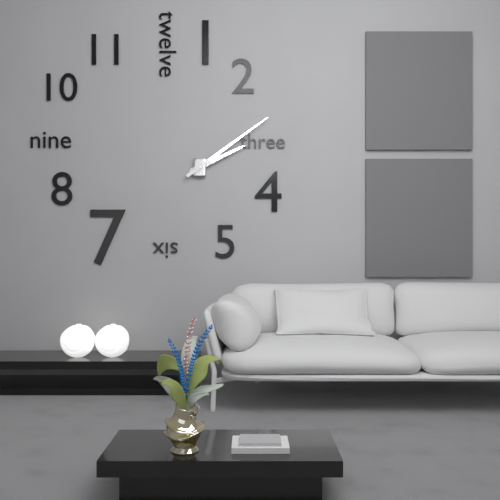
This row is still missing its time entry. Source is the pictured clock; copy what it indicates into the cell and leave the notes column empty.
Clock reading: 2:09
